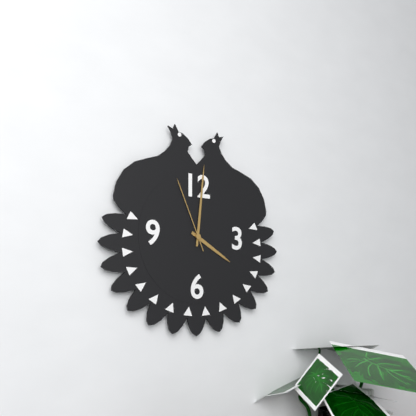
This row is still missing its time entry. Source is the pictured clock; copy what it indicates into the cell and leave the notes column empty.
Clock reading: 4:01:56
